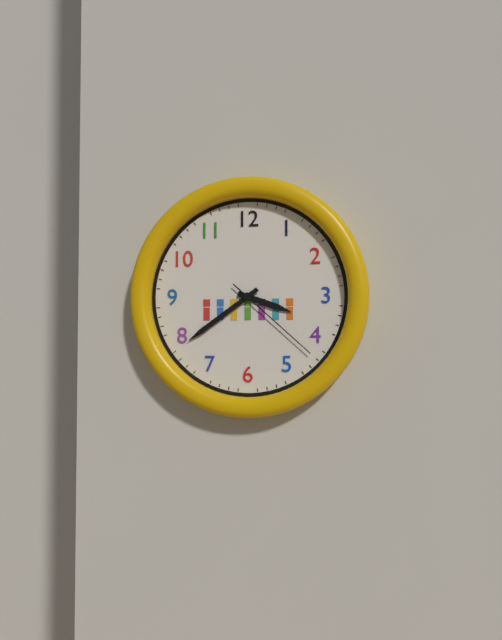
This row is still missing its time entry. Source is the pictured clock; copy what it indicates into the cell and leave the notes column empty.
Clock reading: 3:39:22
